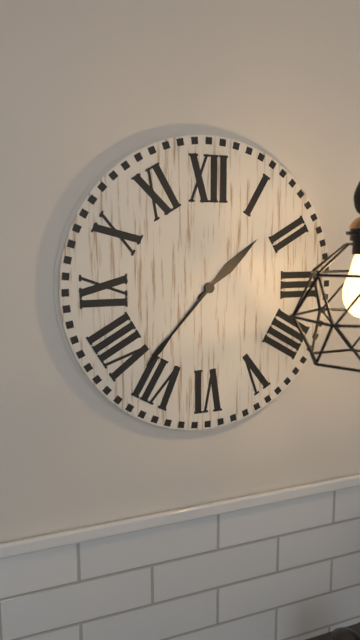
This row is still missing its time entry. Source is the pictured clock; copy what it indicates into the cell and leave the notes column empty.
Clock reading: 1:37
